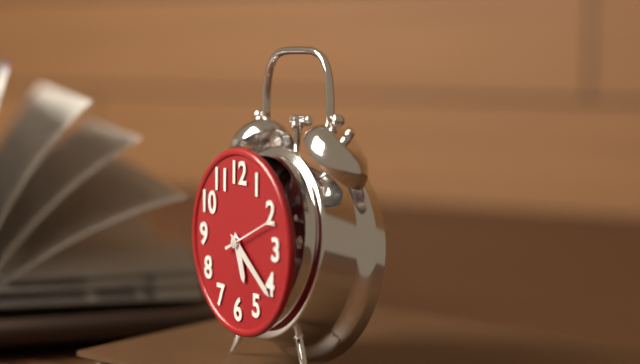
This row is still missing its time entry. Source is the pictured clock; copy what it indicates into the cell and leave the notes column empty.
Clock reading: 5:21
